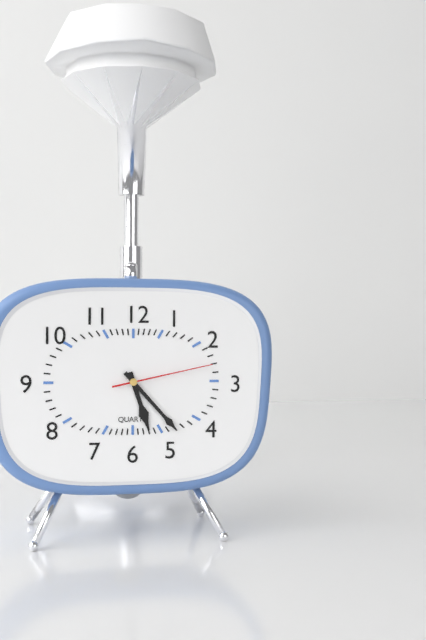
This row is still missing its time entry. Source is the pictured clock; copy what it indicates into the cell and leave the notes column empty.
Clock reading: 5:23:13
